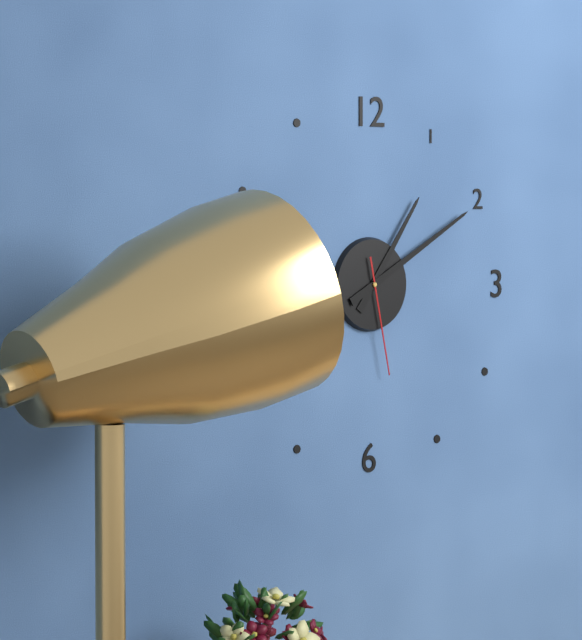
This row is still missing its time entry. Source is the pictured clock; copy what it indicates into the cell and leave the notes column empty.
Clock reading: 1:10:28
